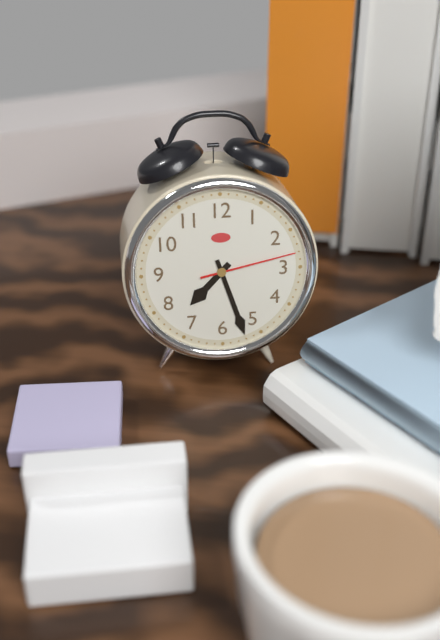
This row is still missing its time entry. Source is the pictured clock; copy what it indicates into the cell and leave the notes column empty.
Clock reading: 7:27:13
